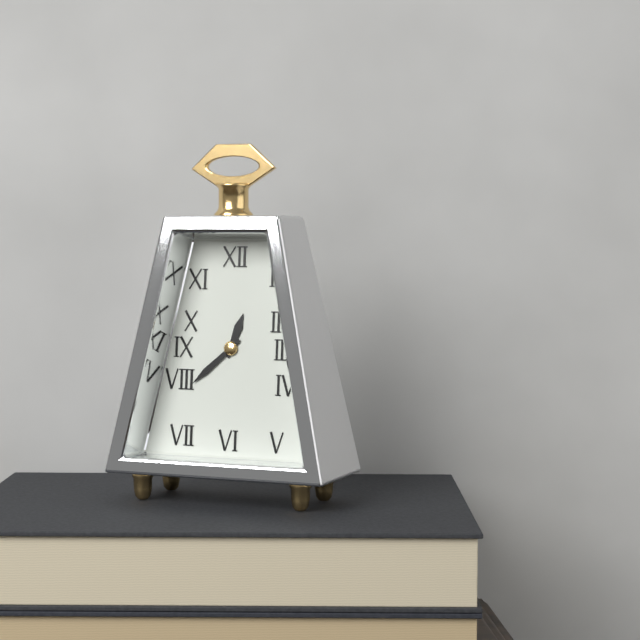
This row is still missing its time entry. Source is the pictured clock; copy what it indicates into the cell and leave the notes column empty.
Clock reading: 12:38
